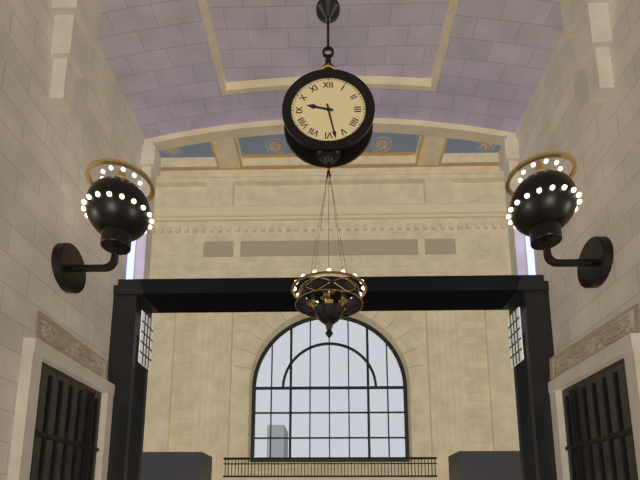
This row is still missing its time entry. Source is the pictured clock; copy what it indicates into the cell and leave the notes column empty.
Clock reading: 9:28
